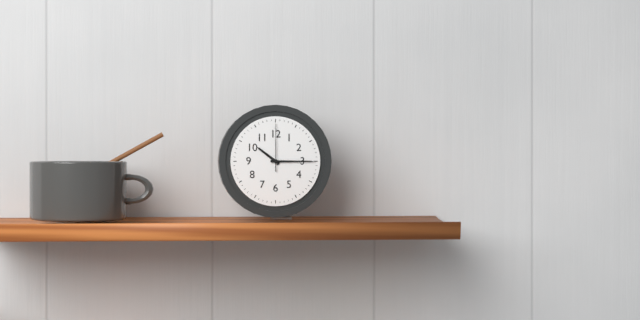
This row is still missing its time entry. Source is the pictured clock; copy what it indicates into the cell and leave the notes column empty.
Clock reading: 10:15
